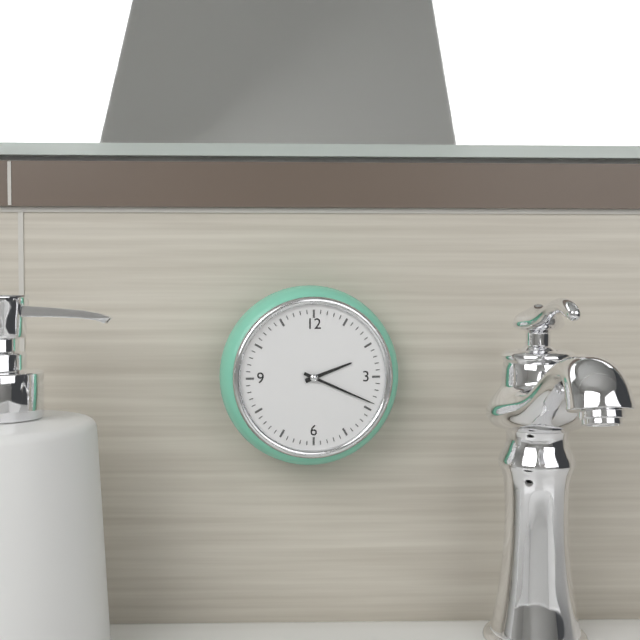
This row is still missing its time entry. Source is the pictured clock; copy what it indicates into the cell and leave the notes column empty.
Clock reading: 2:19
